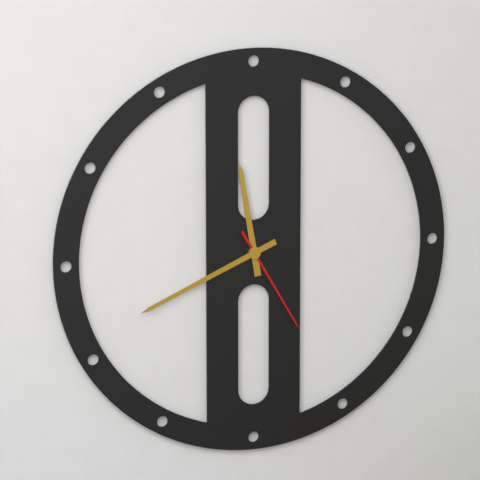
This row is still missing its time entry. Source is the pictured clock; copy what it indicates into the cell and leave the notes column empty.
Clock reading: 11:41:25
